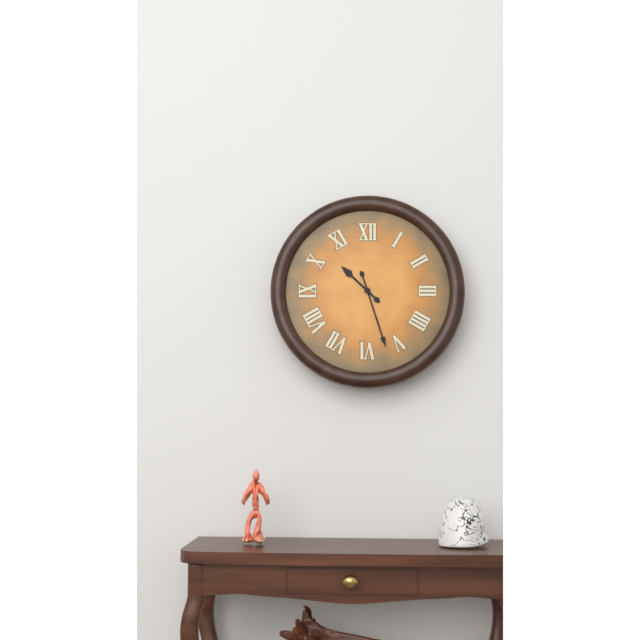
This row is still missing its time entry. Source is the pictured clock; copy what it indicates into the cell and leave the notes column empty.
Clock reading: 10:27
